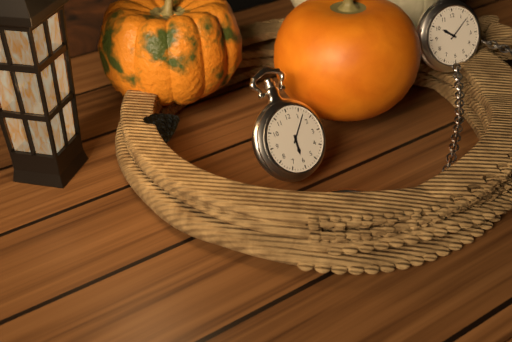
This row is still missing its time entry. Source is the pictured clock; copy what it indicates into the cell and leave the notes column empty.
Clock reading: 6:07
